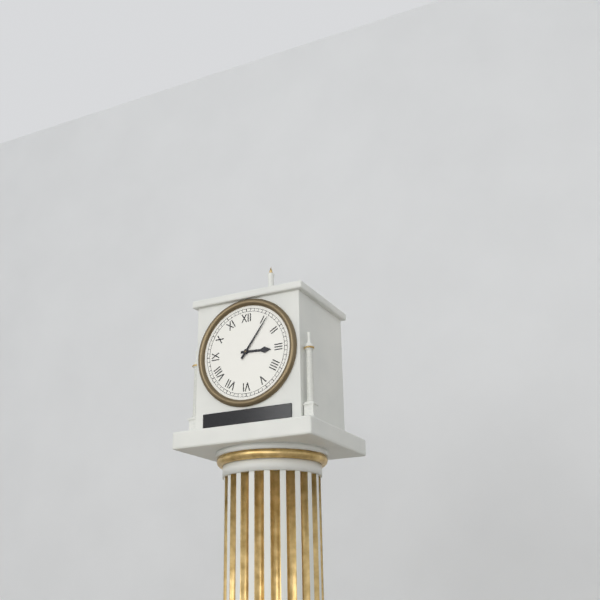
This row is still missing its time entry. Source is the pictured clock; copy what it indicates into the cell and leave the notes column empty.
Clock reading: 3:06
